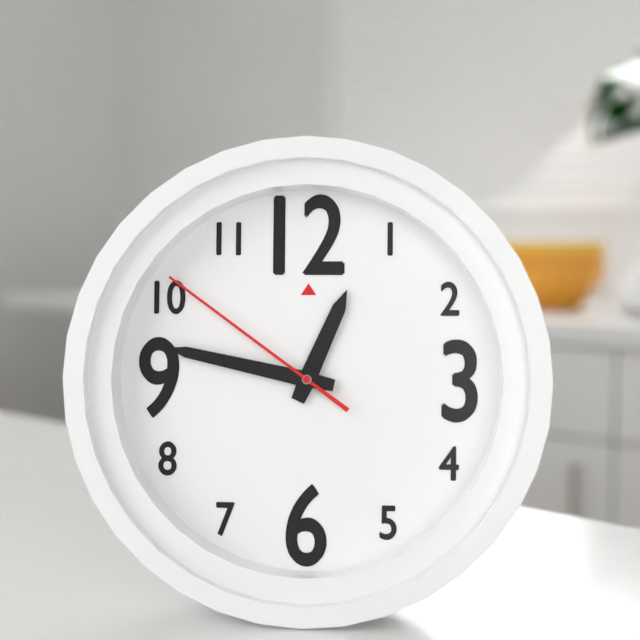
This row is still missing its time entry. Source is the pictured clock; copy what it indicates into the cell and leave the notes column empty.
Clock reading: 12:47:51
